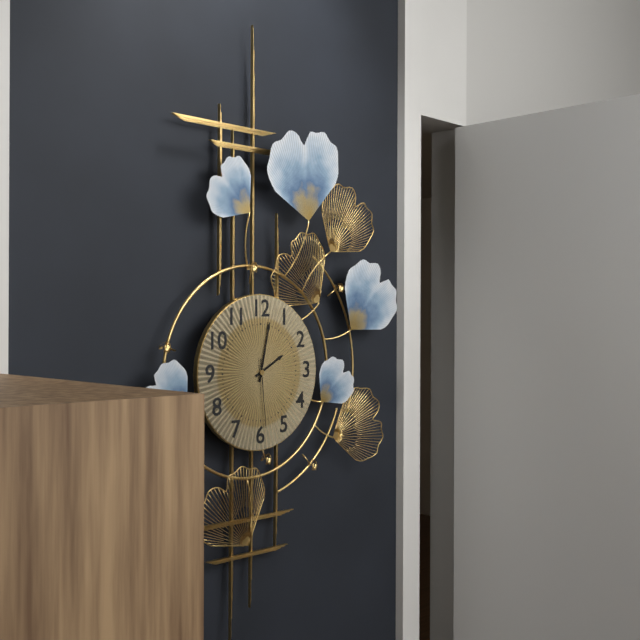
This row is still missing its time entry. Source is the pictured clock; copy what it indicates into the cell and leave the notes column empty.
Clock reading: 2:02:29
